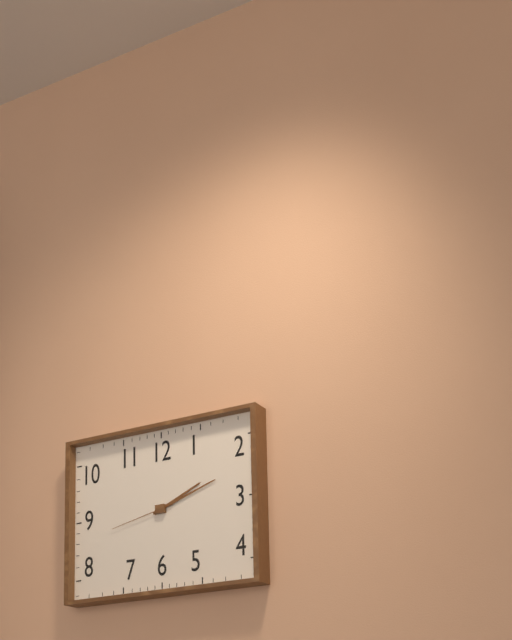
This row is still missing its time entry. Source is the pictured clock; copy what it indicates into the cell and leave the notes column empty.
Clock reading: 2:12:43
